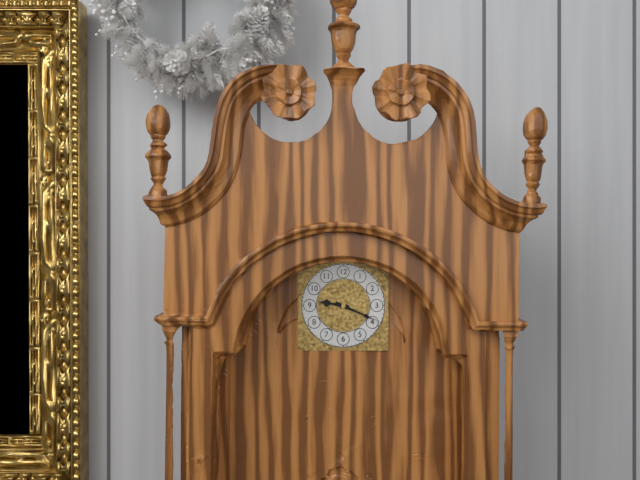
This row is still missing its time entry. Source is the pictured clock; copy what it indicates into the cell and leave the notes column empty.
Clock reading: 9:19
